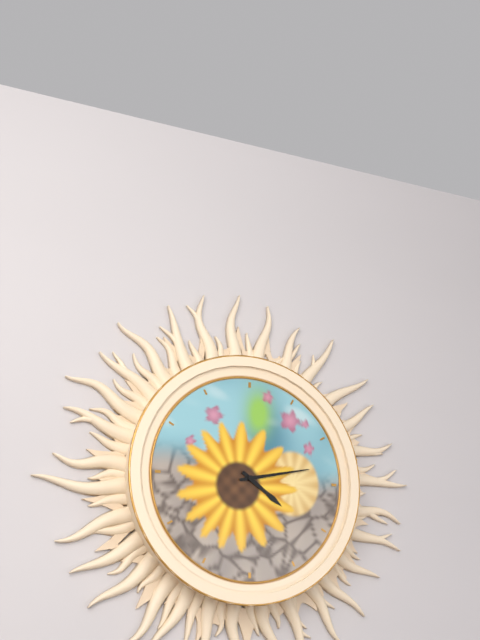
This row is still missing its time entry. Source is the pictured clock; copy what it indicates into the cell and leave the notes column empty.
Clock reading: 4:13
